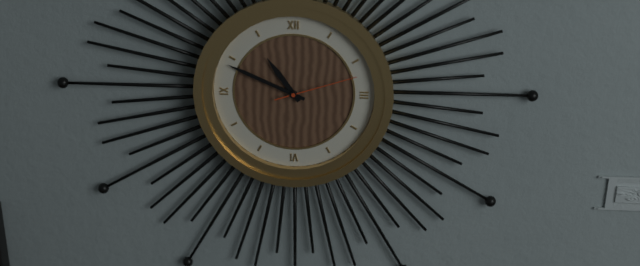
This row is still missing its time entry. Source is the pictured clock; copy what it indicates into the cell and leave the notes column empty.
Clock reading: 10:49:12
